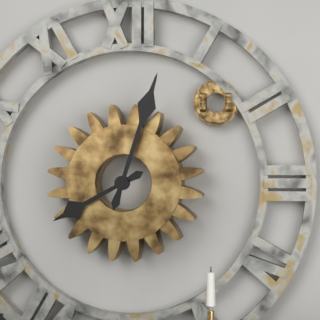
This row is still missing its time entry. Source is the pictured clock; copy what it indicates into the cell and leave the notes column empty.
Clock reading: 8:03
